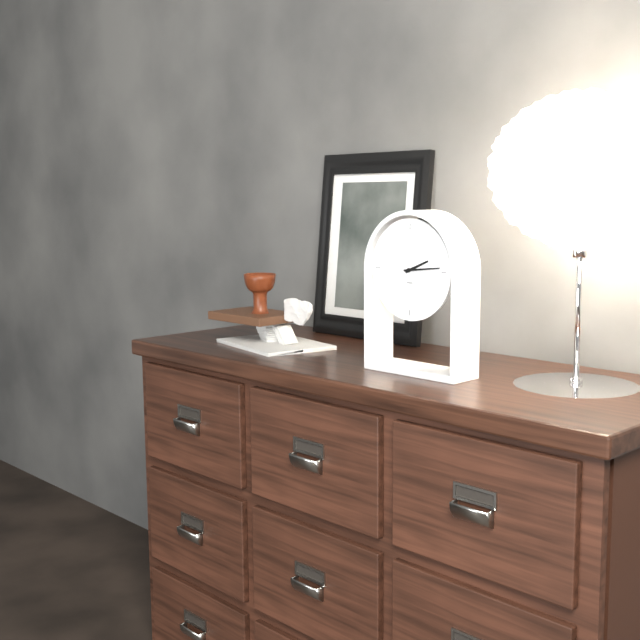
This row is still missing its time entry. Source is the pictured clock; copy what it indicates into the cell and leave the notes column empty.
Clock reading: 2:14
